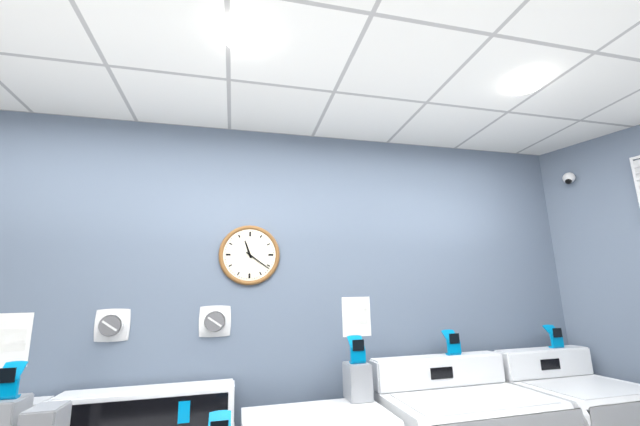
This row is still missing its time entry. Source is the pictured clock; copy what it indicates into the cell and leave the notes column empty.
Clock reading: 11:21
